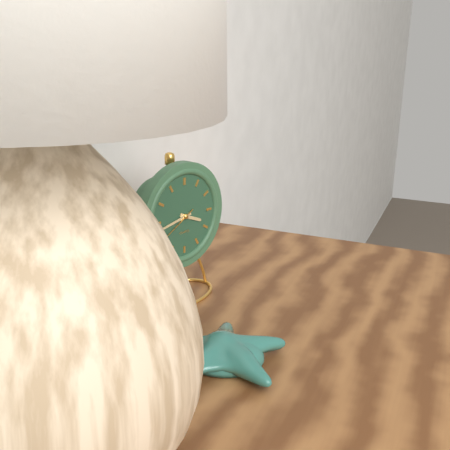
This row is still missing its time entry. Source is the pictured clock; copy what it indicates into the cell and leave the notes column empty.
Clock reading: 3:43
